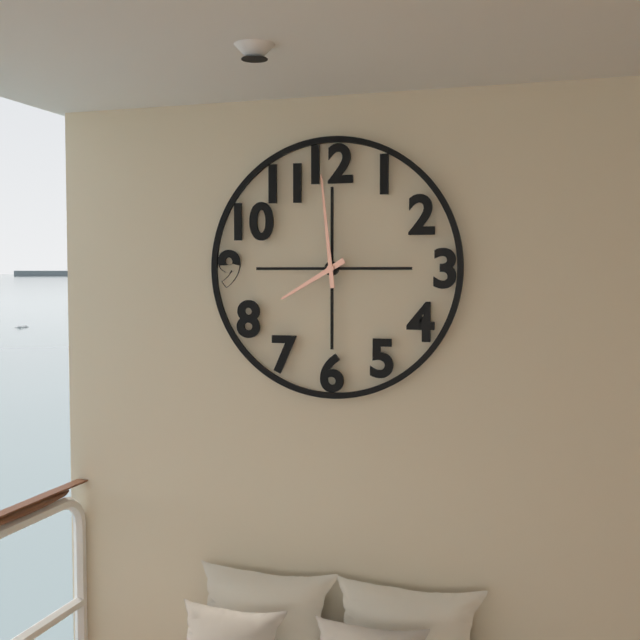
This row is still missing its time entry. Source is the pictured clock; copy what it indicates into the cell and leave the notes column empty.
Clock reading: 7:59
